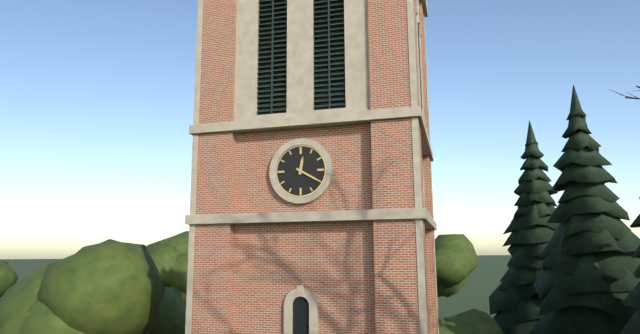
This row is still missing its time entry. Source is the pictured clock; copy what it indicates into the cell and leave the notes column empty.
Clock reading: 12:20
